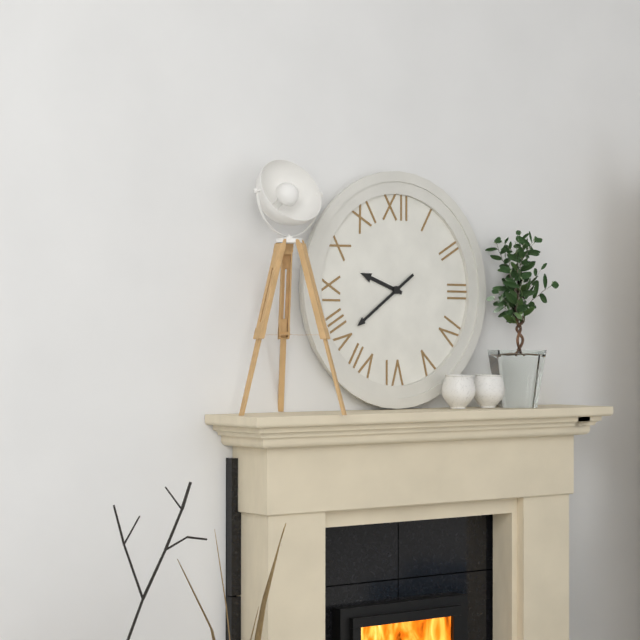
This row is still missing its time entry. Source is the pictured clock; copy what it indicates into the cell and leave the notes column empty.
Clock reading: 9:39
